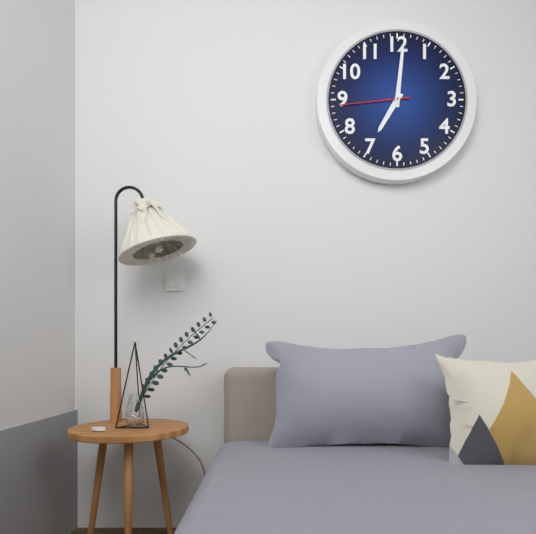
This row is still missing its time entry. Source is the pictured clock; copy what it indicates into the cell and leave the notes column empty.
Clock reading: 7:01:44
